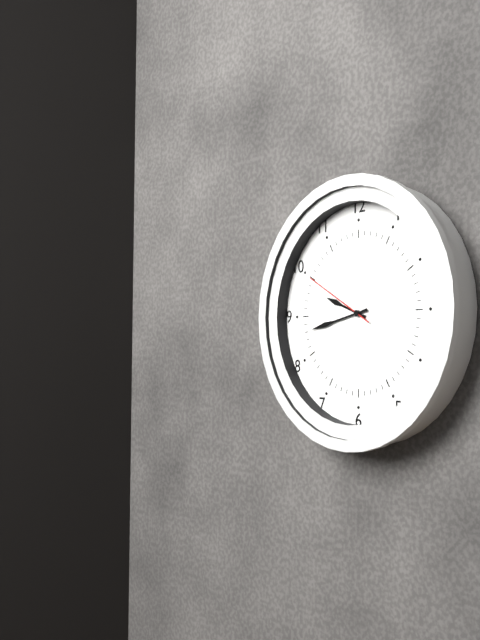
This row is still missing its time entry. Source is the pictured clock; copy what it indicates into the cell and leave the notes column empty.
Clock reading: 9:43:50
